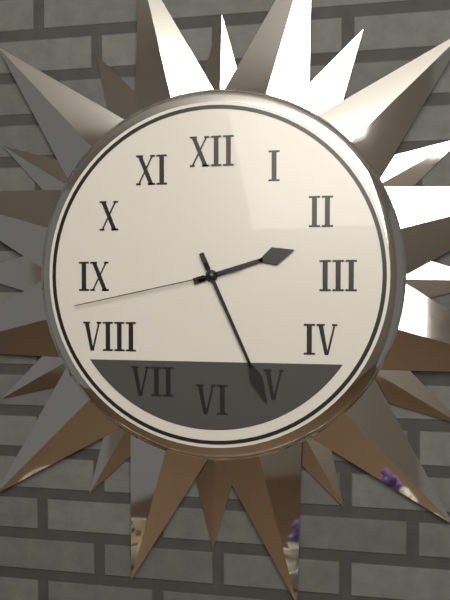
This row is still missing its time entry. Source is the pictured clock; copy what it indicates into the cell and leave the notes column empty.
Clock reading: 2:26:43
